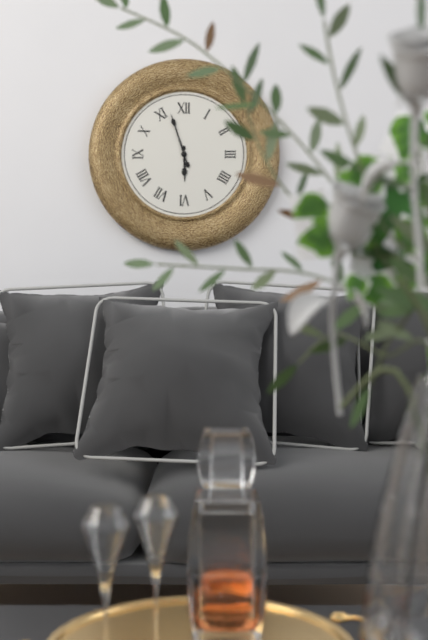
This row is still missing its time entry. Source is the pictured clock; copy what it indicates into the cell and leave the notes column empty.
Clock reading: 5:57
